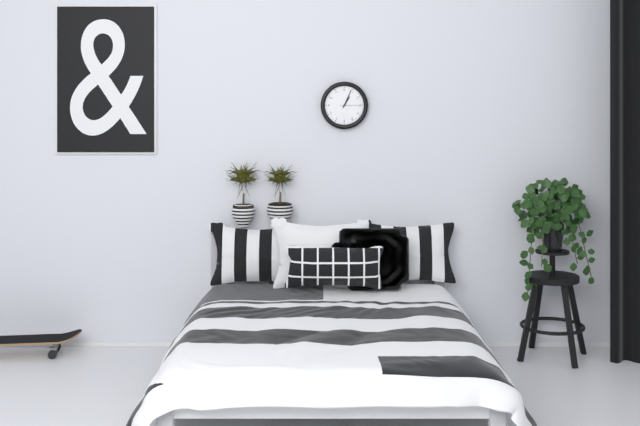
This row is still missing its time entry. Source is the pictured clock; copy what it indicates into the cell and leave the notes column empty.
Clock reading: 1:04
